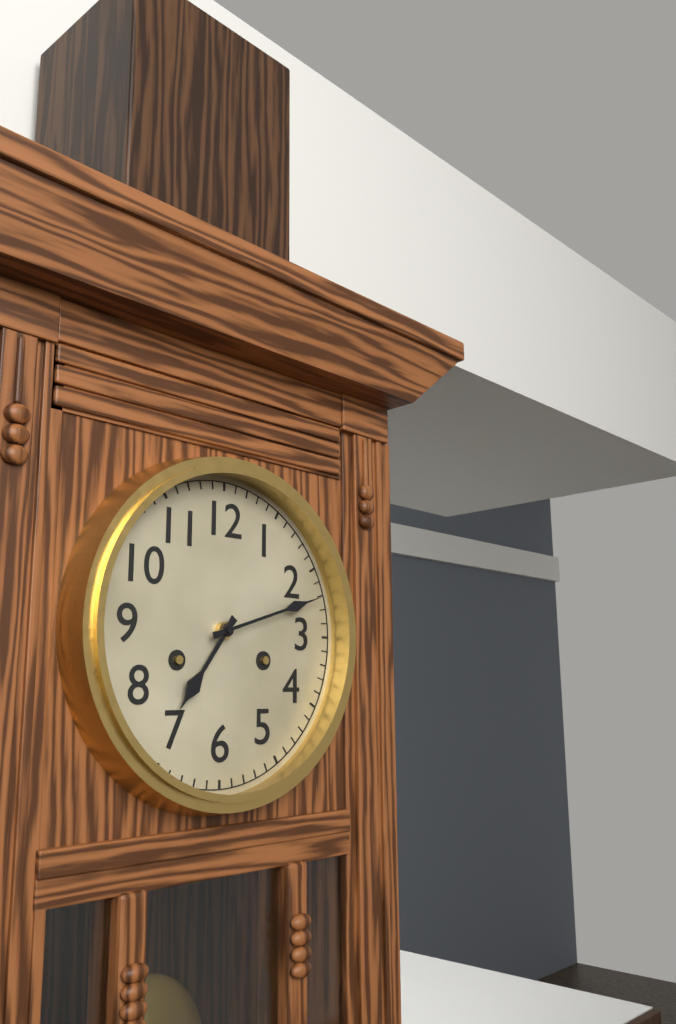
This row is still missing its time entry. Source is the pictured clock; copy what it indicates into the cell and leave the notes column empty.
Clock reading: 7:12
